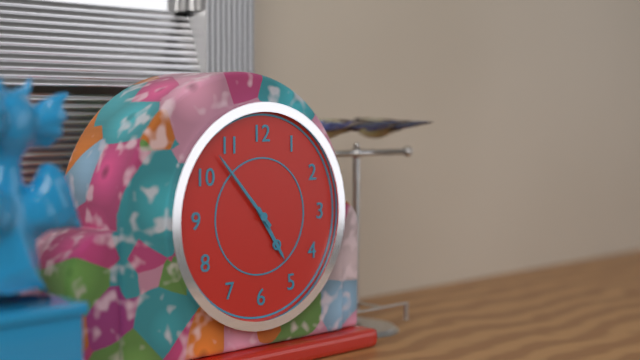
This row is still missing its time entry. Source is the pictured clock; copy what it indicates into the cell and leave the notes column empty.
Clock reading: 4:53
